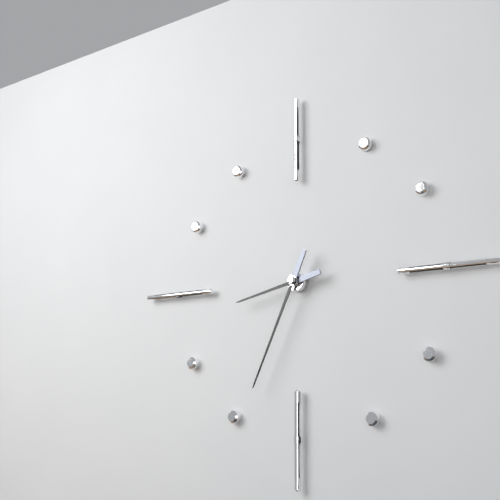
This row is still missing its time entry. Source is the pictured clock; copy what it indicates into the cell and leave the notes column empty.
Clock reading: 8:34
